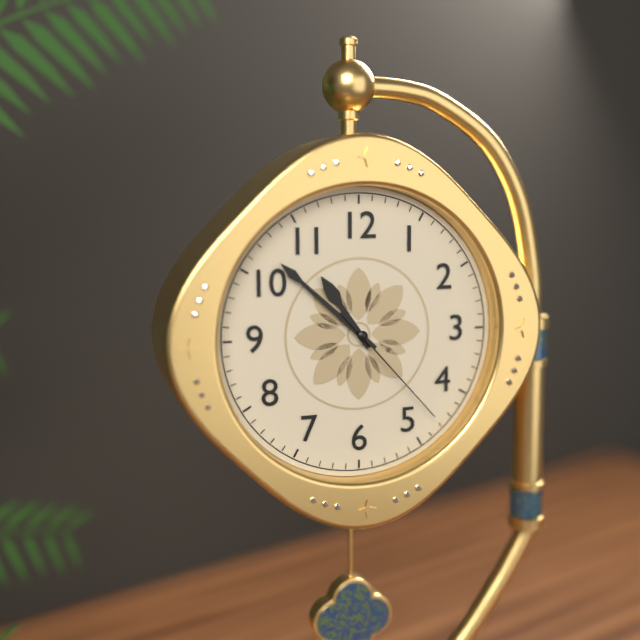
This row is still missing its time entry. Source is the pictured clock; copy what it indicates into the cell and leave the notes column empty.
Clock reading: 10:52:23
